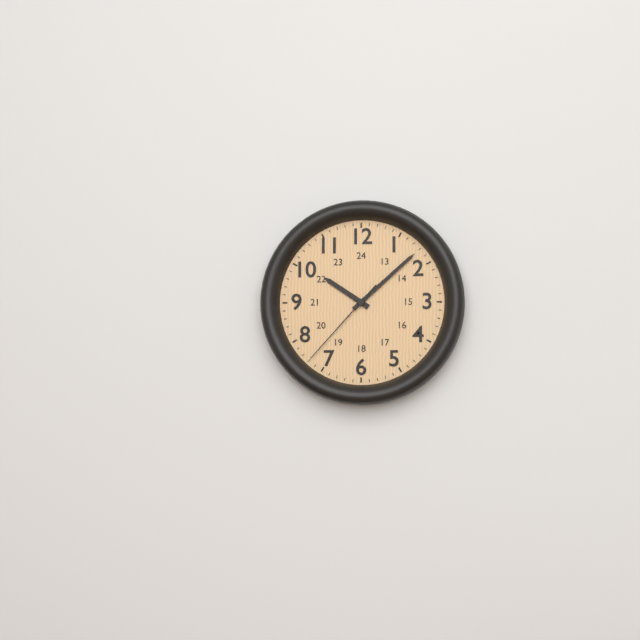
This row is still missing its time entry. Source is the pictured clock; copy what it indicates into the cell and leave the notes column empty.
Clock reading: 10:08:37
